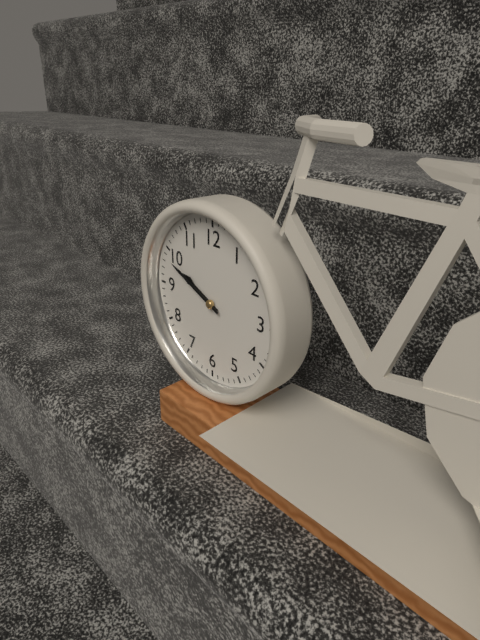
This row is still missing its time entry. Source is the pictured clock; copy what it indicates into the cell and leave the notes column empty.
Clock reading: 9:49
